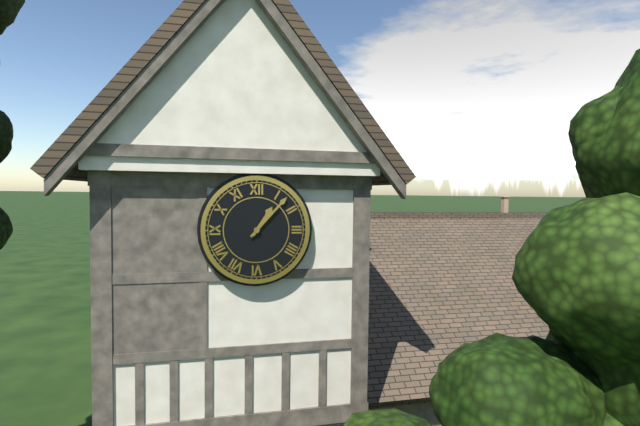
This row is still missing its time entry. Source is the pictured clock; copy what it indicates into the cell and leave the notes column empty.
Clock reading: 1:07
